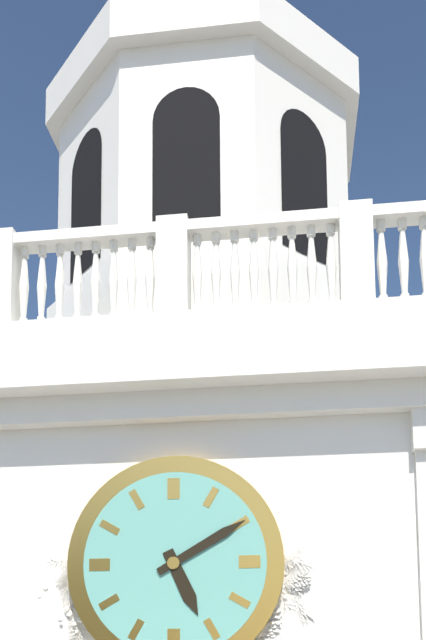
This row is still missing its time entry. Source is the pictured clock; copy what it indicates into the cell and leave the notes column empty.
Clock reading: 5:10
